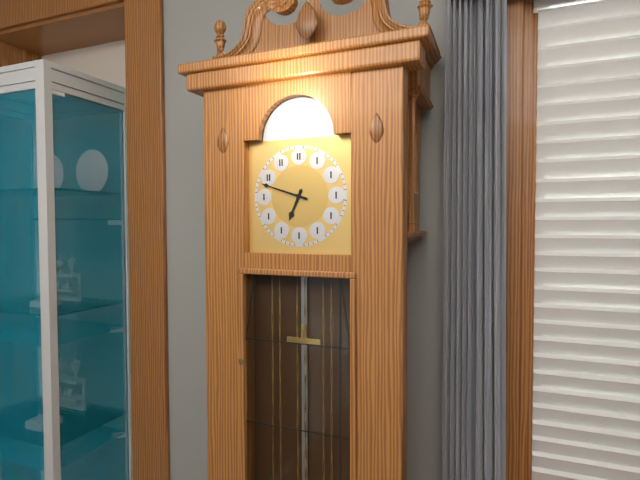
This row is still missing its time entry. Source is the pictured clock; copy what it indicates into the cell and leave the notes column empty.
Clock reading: 6:48
